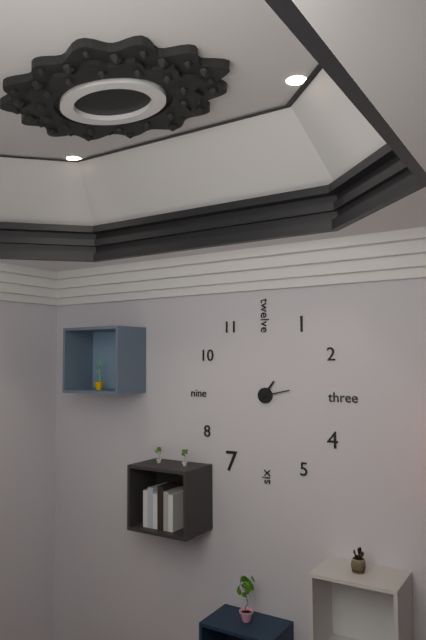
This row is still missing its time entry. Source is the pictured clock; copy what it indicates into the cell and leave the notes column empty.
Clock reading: 1:13
